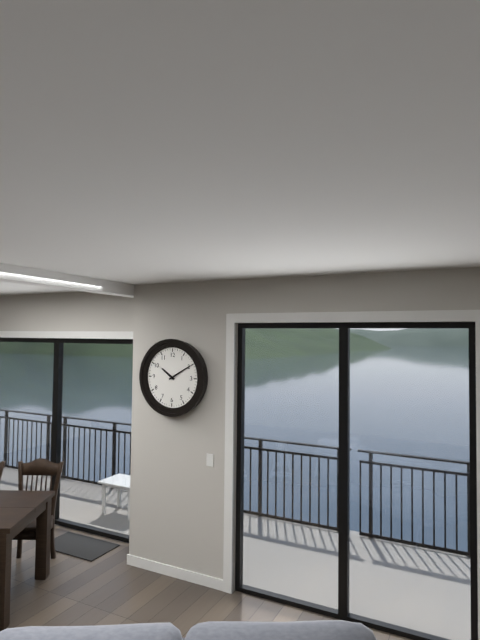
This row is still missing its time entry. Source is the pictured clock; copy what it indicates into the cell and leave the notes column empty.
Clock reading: 10:10
